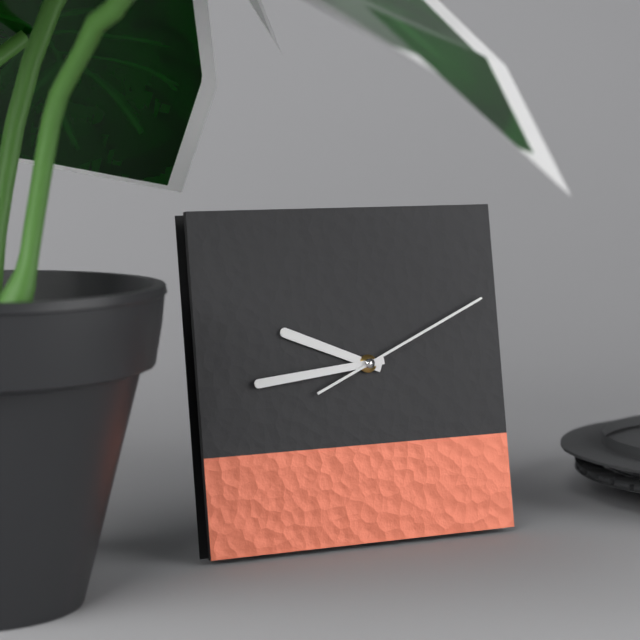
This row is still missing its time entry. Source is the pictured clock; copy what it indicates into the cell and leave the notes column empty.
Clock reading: 9:44:11
